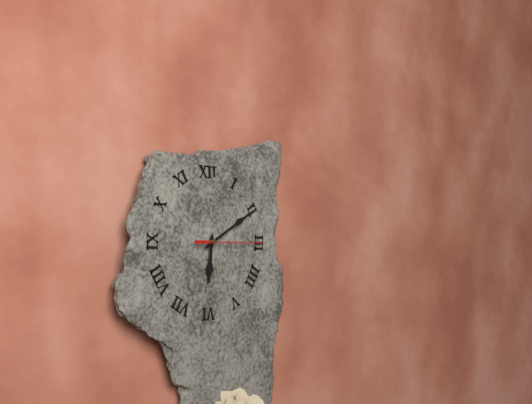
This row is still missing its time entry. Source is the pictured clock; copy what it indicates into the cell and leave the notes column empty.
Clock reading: 6:10:15
